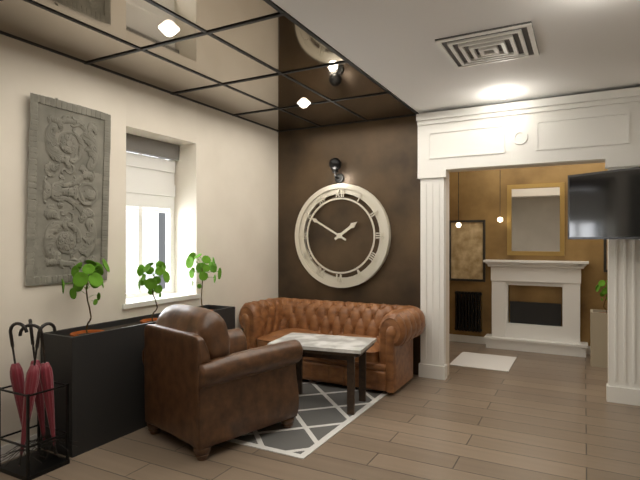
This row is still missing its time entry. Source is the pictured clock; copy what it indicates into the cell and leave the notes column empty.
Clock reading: 1:50
